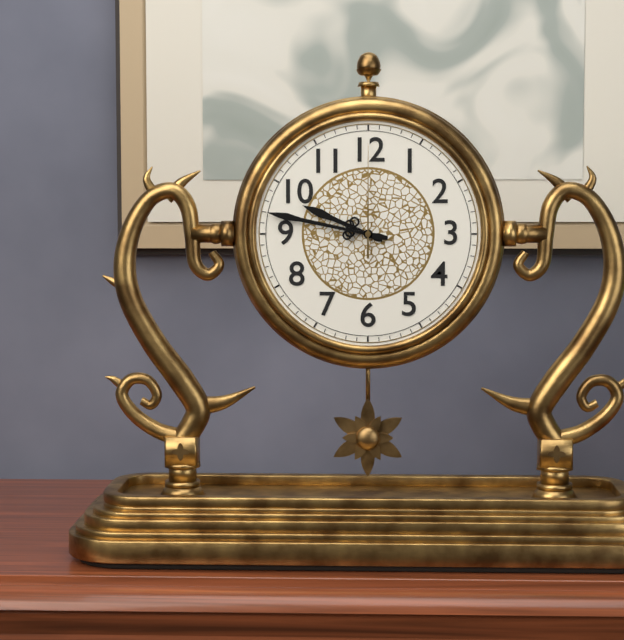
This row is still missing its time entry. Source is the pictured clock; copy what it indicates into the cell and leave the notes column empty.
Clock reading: 9:47:00
